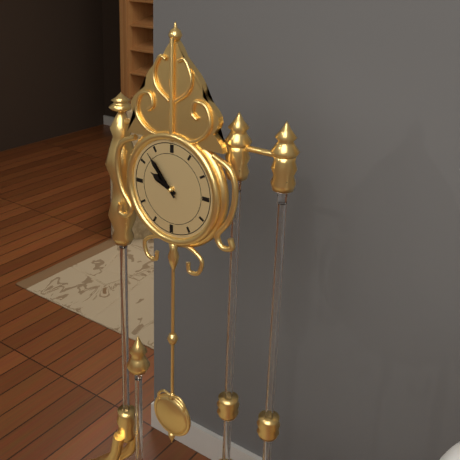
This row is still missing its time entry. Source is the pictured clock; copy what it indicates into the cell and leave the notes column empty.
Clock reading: 9:53
